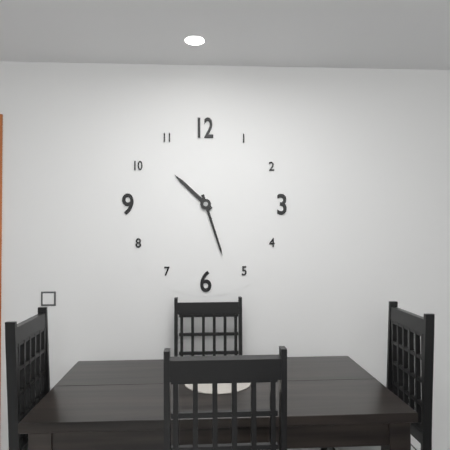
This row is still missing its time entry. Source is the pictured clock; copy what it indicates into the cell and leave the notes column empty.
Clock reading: 10:27
